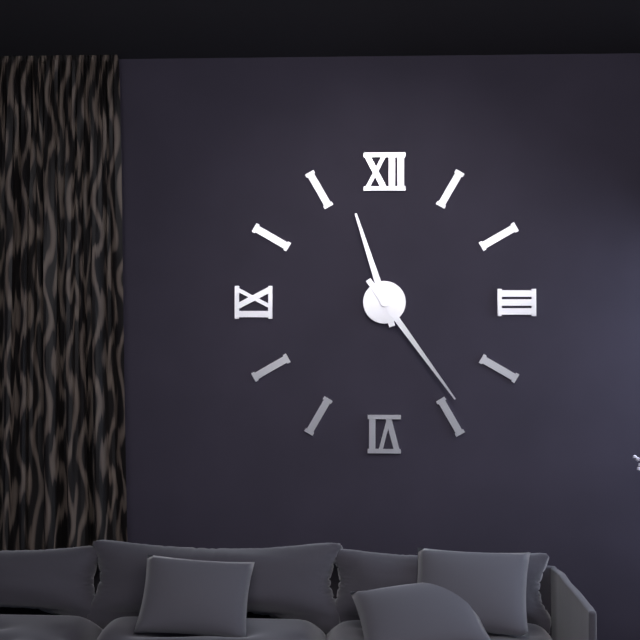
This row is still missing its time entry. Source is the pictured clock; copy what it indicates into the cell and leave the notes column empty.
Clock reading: 11:24
